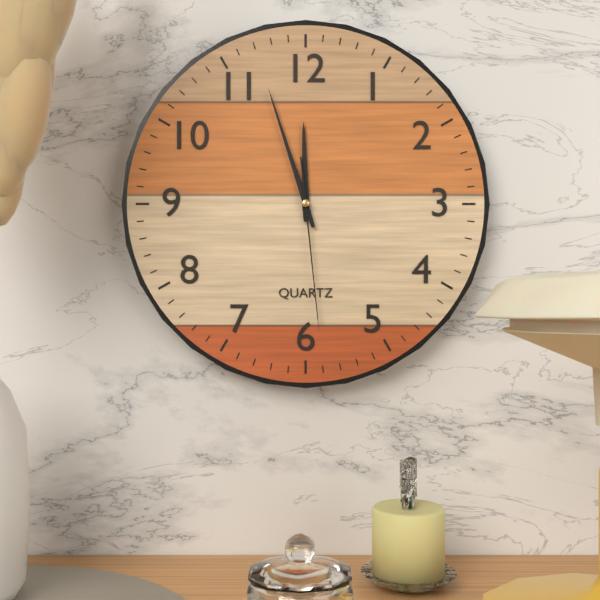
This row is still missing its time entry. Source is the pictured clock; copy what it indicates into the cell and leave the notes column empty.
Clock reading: 11:57:29
